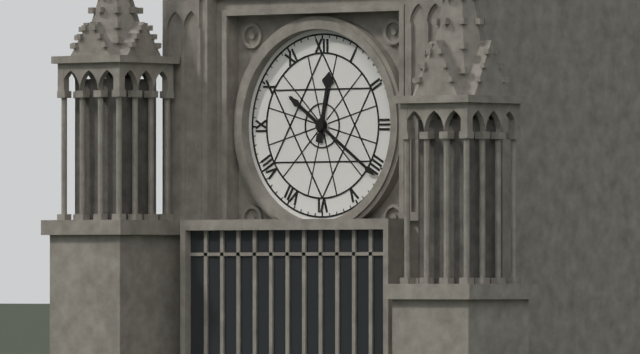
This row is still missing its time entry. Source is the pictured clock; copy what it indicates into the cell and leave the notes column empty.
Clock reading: 12:21
